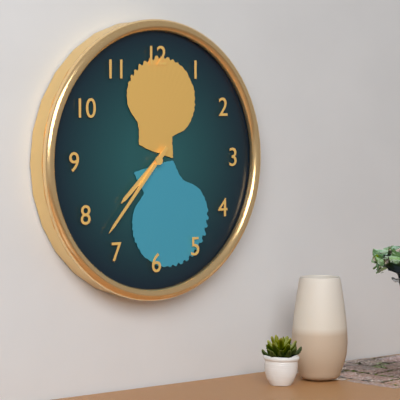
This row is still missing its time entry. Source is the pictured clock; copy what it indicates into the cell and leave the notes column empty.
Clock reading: 7:37
